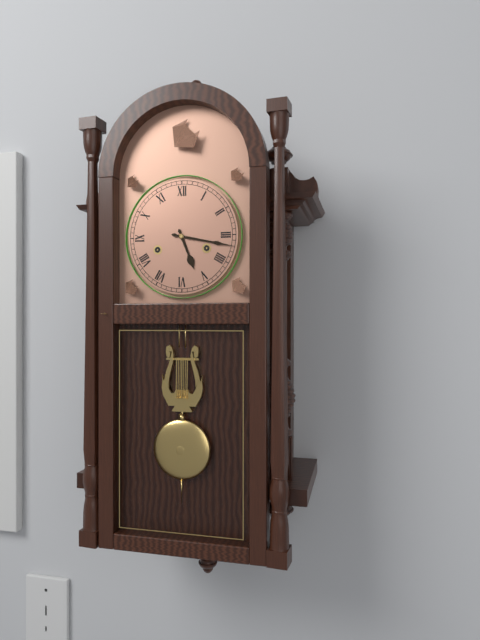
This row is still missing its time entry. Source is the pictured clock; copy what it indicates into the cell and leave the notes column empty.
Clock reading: 5:17
